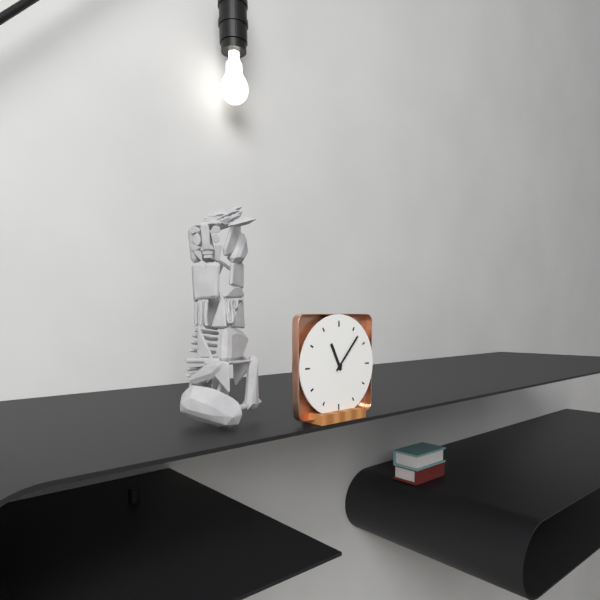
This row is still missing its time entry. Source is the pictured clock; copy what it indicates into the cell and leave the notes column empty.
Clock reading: 11:07
